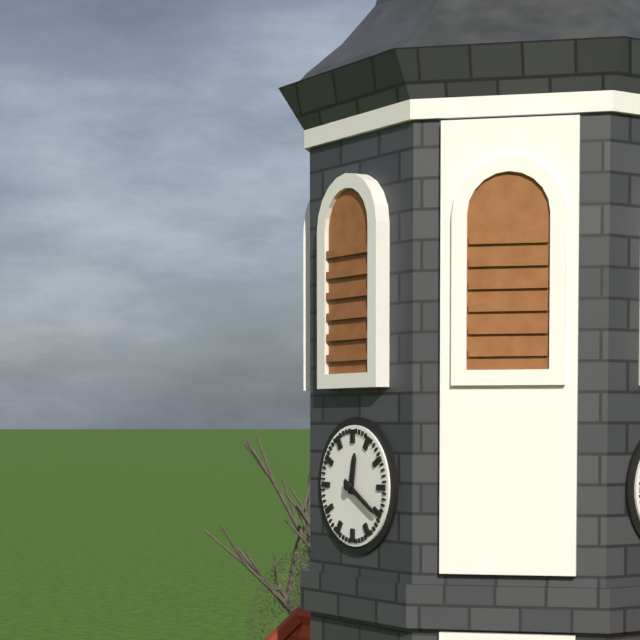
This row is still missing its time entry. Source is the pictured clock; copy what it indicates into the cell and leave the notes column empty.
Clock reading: 12:20
